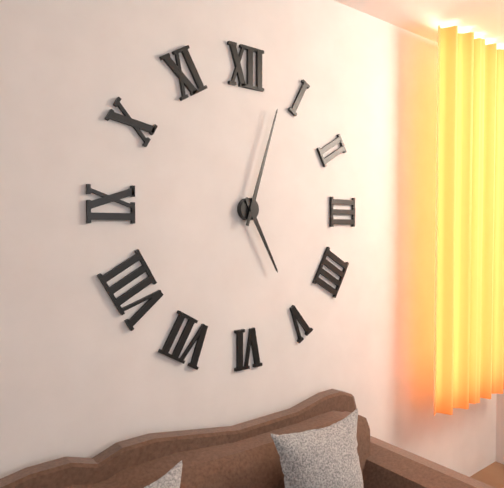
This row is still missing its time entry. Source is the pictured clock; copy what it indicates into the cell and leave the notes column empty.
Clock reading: 5:03
